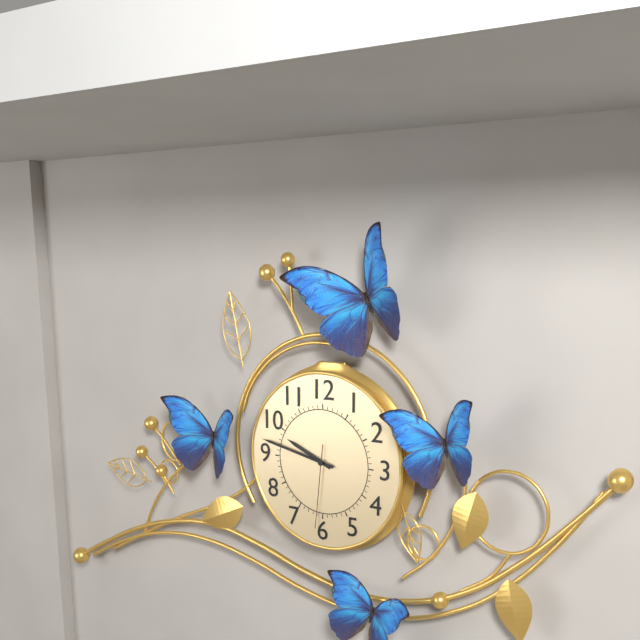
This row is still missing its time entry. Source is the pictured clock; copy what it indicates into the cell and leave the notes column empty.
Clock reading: 9:47:31
